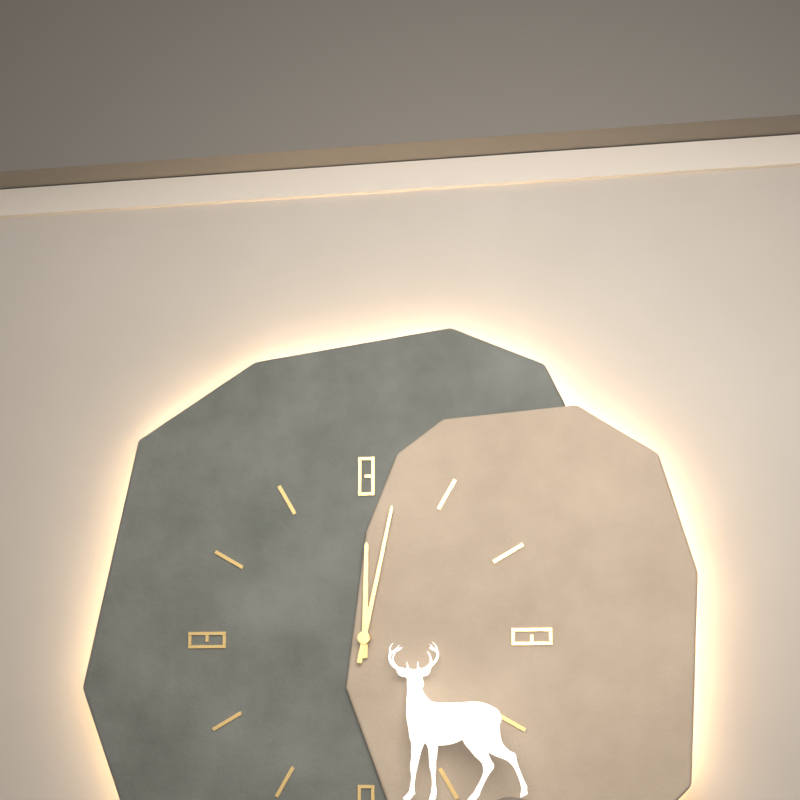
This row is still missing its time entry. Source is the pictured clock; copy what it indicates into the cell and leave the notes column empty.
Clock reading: 12:02
